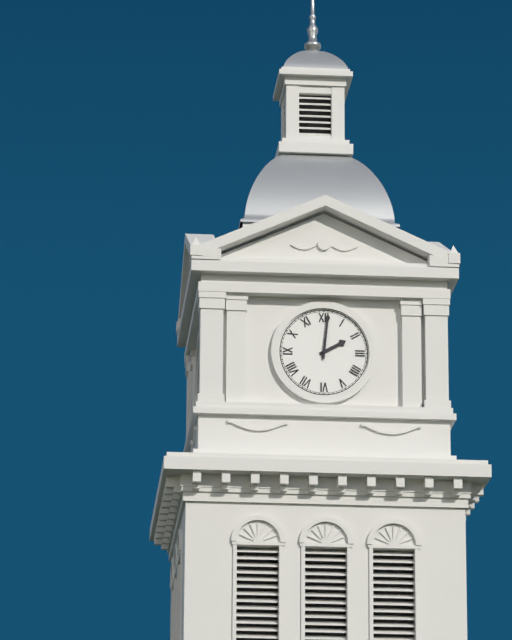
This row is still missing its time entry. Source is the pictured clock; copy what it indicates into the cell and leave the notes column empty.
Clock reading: 2:01
